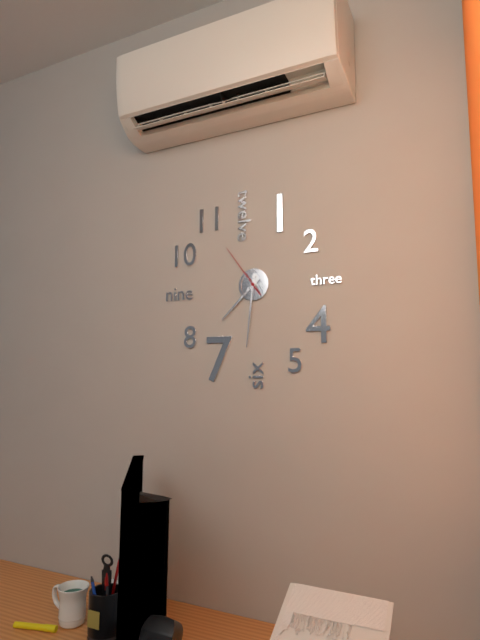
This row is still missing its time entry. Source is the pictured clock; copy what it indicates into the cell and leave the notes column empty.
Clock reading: 7:31:54
